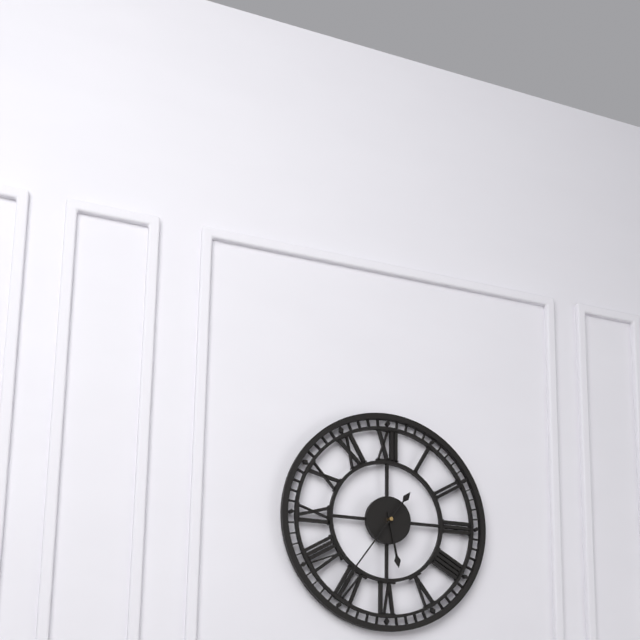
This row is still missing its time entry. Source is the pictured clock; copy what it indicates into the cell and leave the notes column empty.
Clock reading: 5:36
